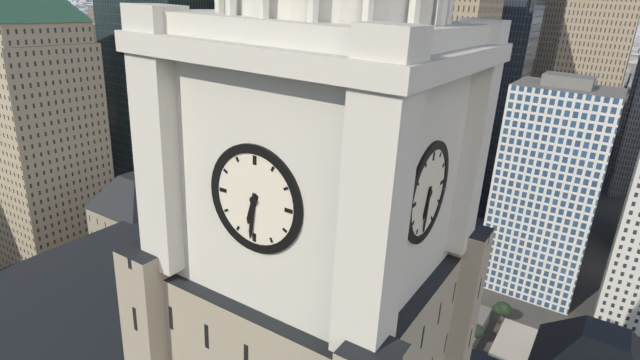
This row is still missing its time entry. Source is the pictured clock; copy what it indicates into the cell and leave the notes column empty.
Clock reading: 6:31
